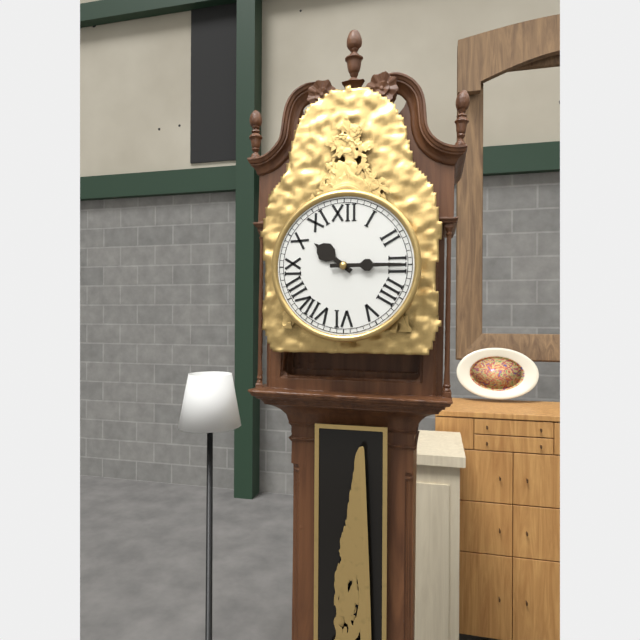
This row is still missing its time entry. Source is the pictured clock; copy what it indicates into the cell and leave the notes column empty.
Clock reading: 10:15
